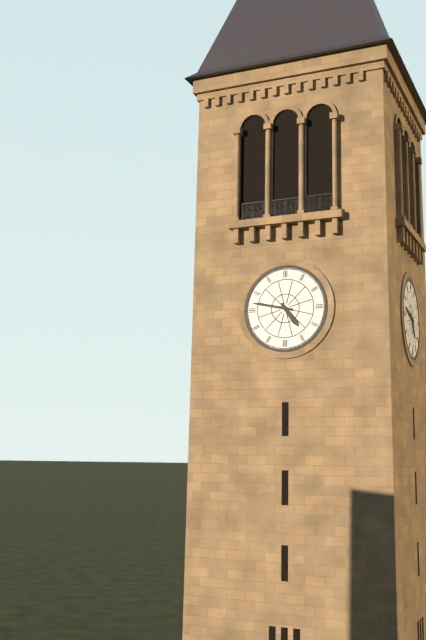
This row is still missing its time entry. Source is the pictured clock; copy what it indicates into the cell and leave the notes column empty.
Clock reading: 4:47
